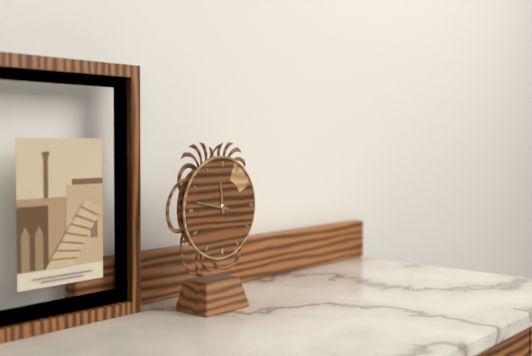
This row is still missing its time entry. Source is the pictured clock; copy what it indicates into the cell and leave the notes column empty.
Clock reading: 11:47
